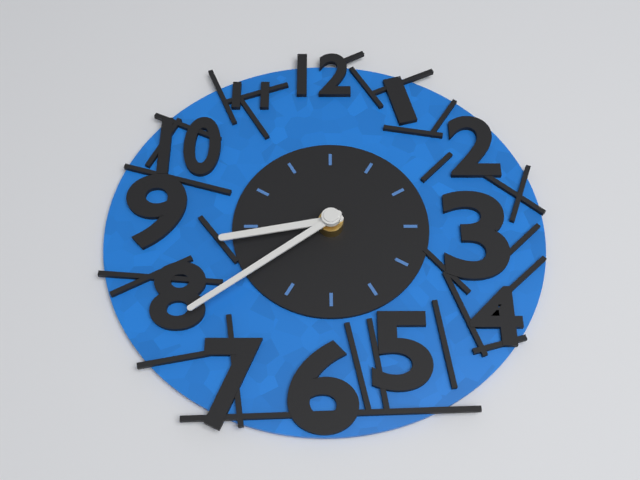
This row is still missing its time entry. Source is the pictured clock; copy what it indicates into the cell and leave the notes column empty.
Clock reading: 8:39
